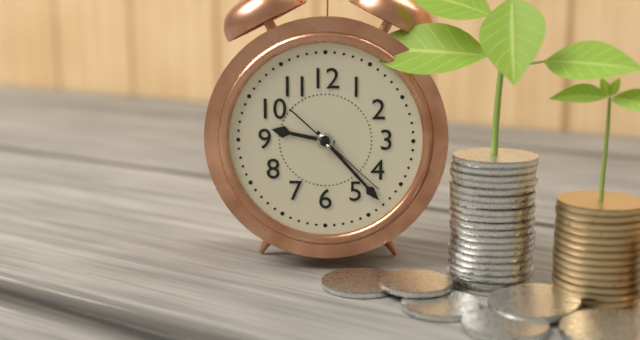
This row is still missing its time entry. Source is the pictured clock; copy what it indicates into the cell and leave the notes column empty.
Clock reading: 9:23:22
